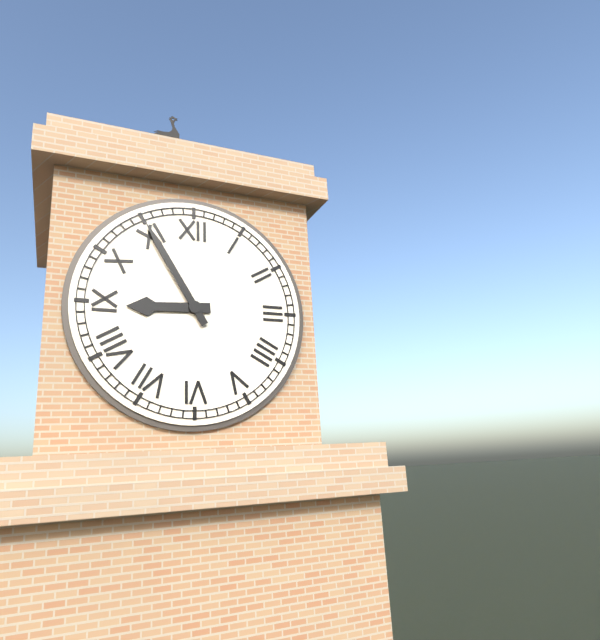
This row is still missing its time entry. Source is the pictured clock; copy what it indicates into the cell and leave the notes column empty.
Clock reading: 8:55
